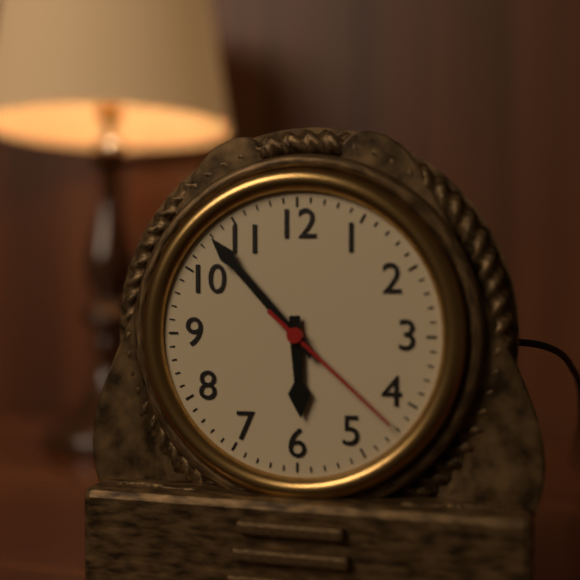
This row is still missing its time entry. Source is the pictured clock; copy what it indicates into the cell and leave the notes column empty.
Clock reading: 5:53:22
